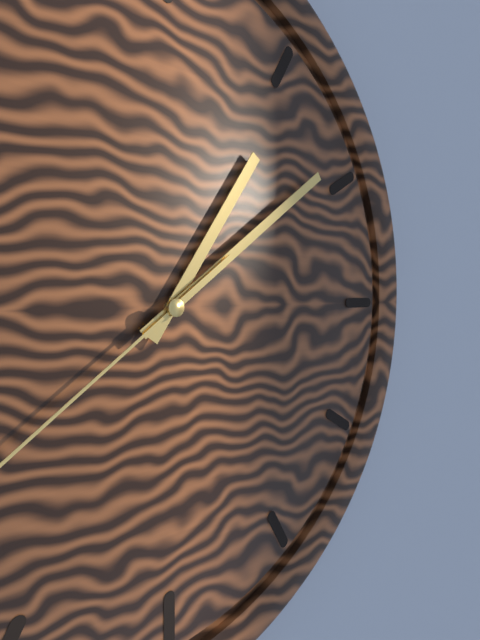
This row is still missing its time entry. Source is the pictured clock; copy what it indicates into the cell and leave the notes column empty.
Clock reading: 1:09
